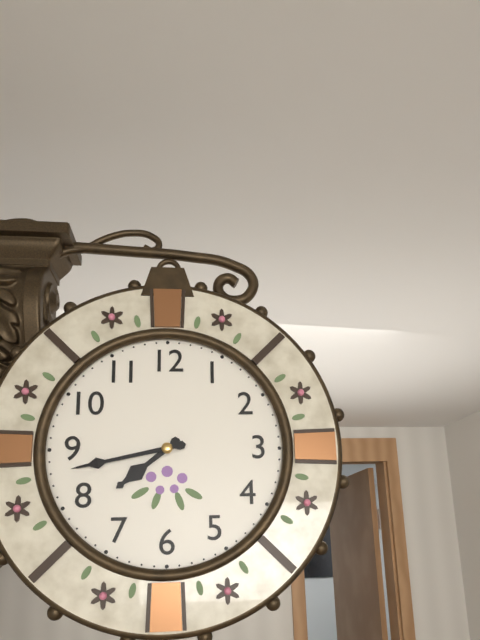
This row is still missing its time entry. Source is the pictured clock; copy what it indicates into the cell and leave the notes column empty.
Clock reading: 7:43
